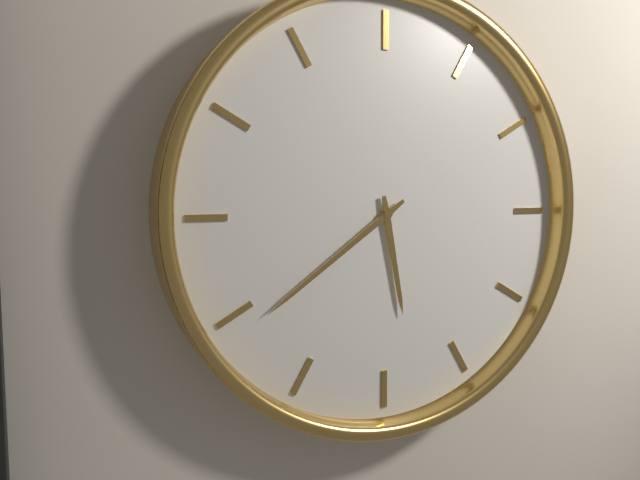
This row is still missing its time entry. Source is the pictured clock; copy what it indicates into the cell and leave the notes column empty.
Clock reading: 5:39
